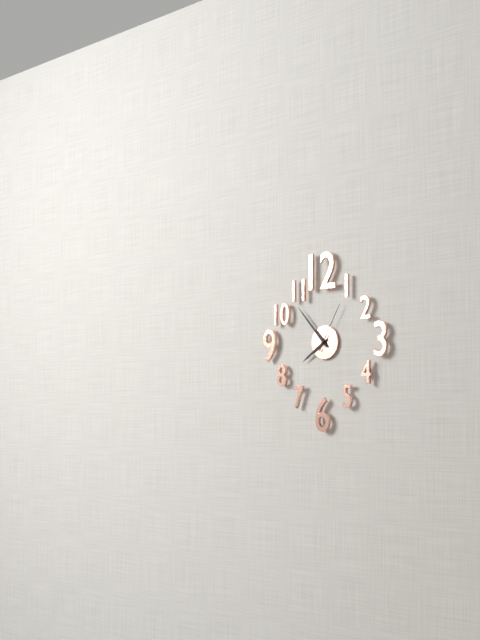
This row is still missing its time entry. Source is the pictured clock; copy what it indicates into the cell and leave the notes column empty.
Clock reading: 7:53:05
